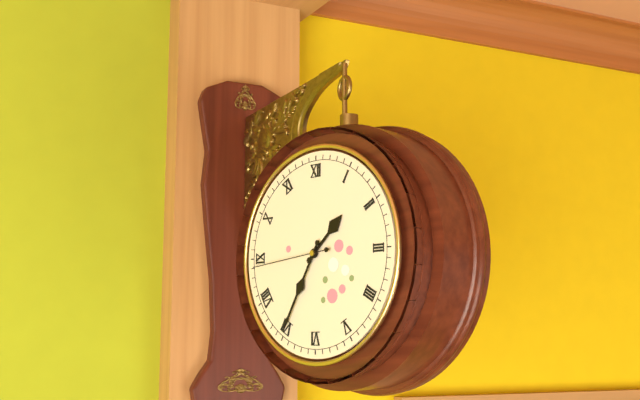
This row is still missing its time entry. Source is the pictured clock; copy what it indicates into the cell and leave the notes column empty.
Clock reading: 1:35:44
